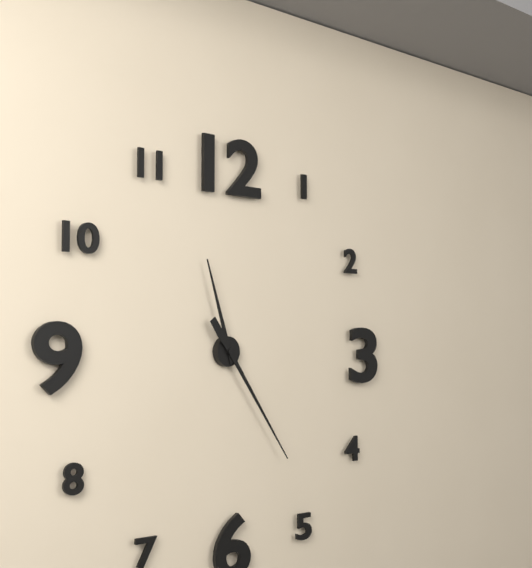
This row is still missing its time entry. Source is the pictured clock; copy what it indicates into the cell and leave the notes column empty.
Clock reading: 11:24
